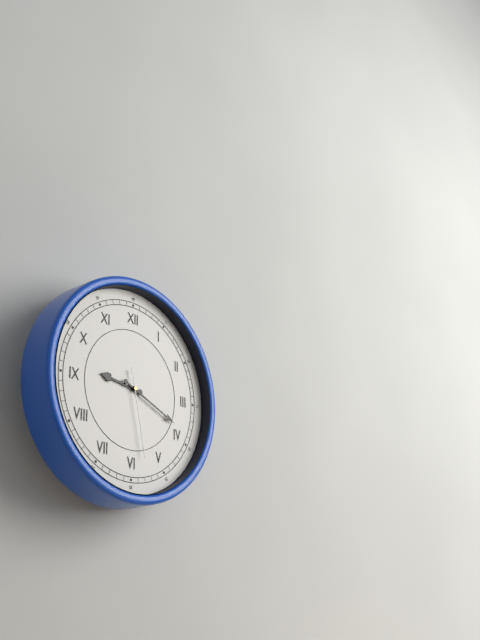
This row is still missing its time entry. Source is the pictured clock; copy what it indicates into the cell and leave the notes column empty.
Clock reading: 9:19:28
